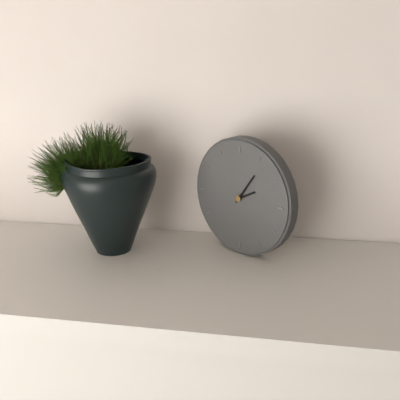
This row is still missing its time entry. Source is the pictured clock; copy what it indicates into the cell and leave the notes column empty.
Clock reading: 2:06
